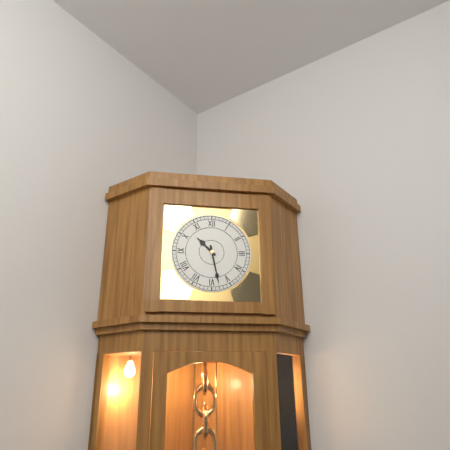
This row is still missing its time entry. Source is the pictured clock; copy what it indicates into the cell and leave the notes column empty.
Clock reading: 10:28
